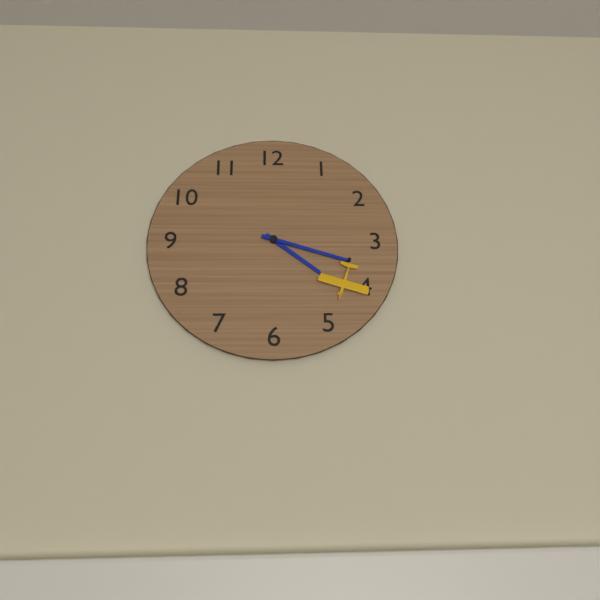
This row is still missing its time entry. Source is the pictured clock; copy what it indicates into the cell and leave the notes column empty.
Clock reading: 4:18
